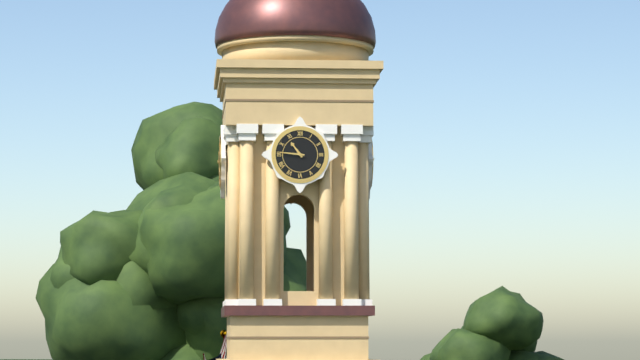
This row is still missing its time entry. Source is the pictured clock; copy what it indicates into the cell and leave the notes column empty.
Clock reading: 10:46
